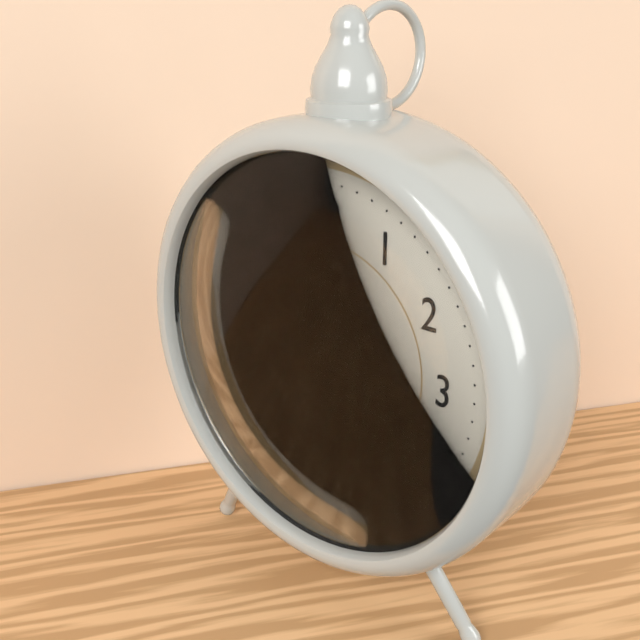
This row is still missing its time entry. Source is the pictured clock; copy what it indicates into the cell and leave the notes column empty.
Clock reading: 8:27
